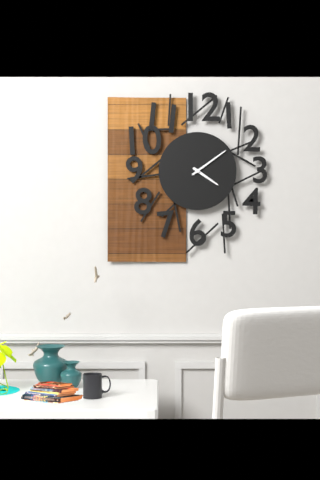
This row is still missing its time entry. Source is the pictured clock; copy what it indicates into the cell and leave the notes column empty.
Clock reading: 4:09
